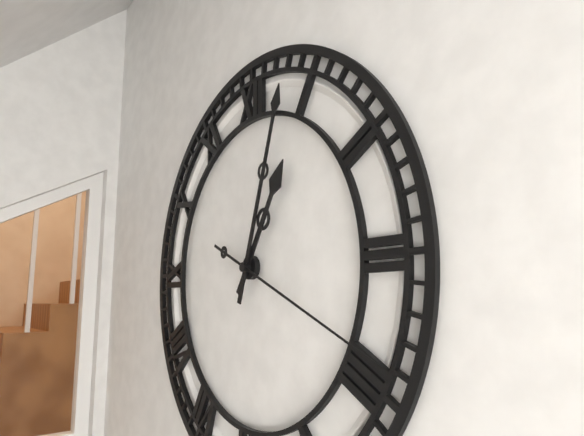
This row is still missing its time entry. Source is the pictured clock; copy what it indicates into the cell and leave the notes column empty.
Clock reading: 1:03:19
